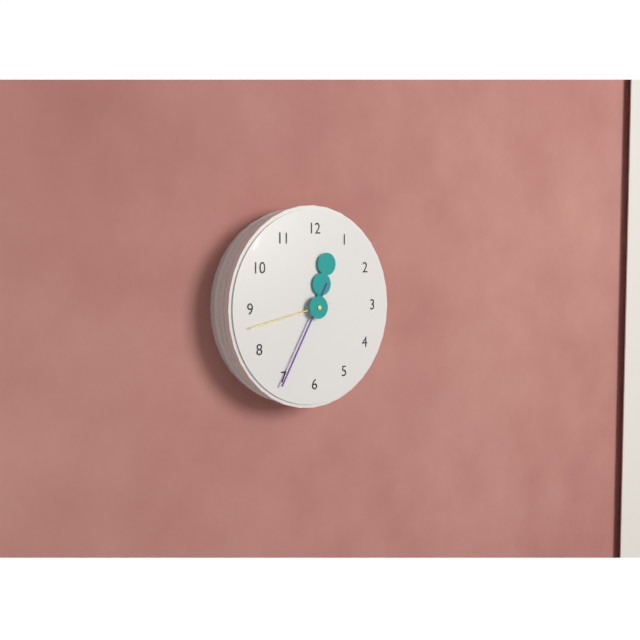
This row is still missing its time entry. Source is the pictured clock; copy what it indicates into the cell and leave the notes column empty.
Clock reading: 12:35:43
